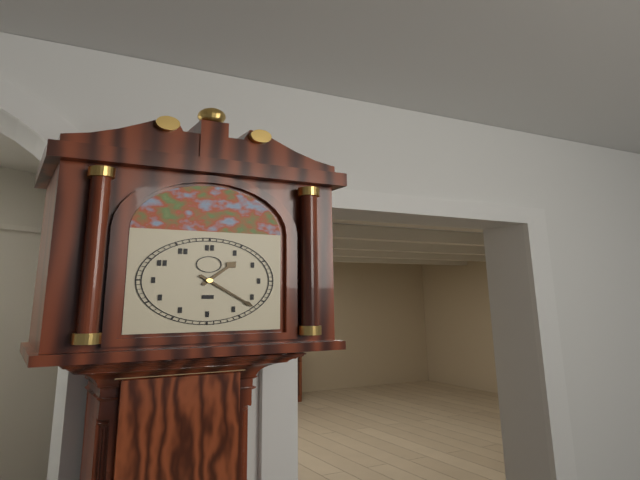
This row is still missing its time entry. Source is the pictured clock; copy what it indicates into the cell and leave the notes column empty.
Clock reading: 1:22
